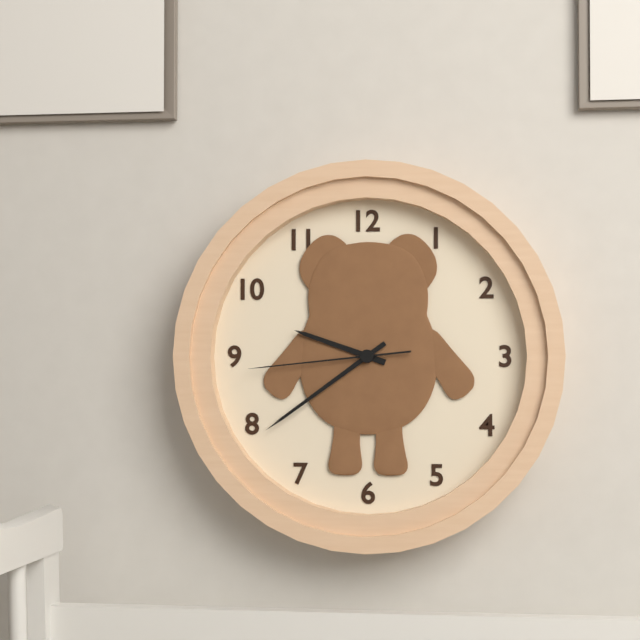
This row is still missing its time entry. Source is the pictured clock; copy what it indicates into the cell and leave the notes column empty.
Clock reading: 9:39:44
